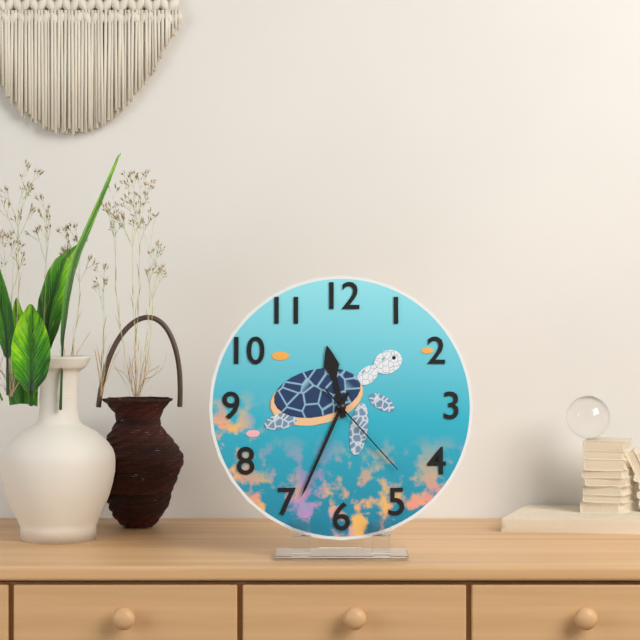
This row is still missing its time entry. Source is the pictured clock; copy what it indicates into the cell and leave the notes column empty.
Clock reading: 11:34:23
